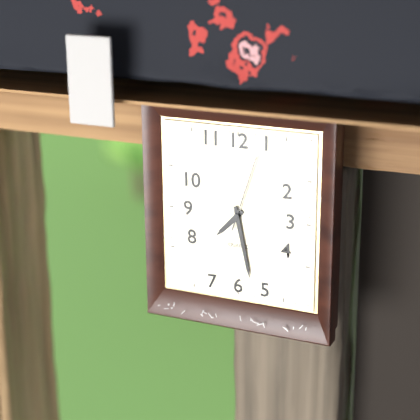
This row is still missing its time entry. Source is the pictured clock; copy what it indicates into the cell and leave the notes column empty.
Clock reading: 7:28:03
